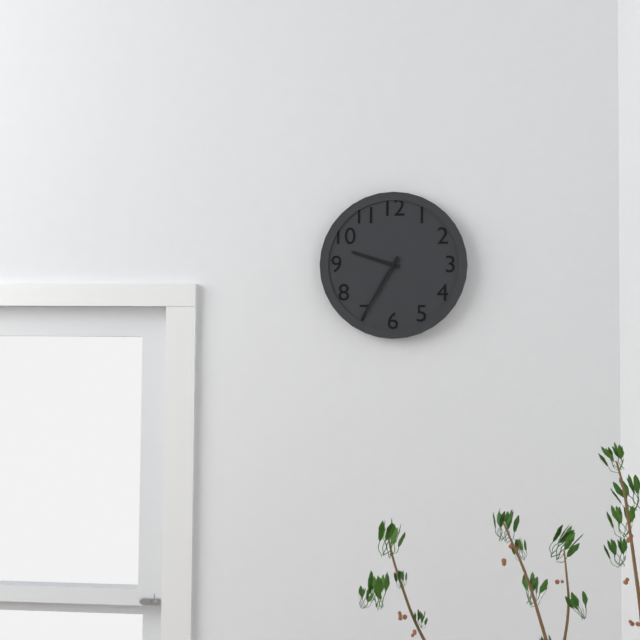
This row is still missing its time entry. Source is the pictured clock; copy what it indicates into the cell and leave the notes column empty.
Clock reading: 9:35
